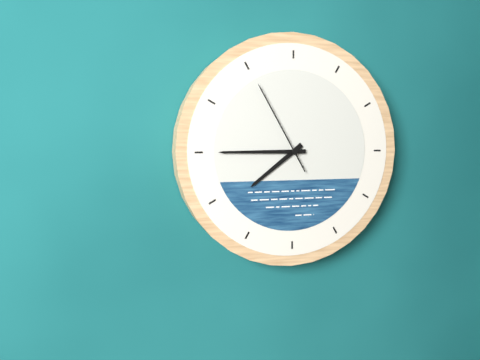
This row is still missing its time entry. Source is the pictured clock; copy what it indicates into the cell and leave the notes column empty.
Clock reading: 7:45:55
